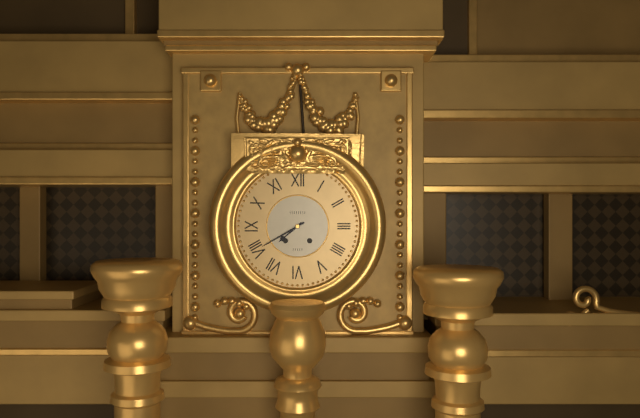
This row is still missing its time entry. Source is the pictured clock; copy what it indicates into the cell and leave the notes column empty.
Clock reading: 7:40
